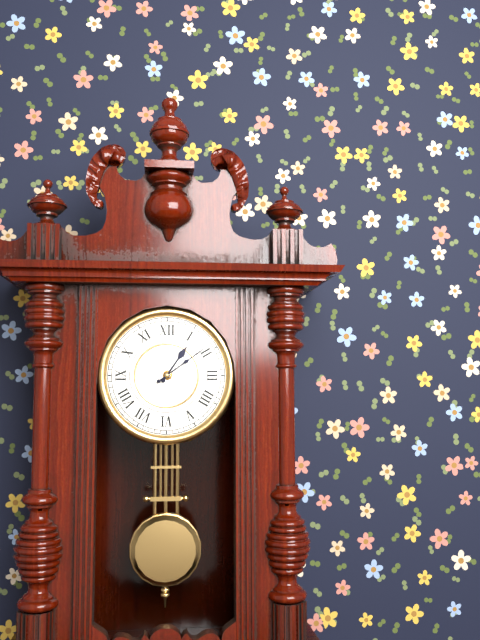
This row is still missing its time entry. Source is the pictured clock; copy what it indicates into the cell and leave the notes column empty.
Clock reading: 1:09
